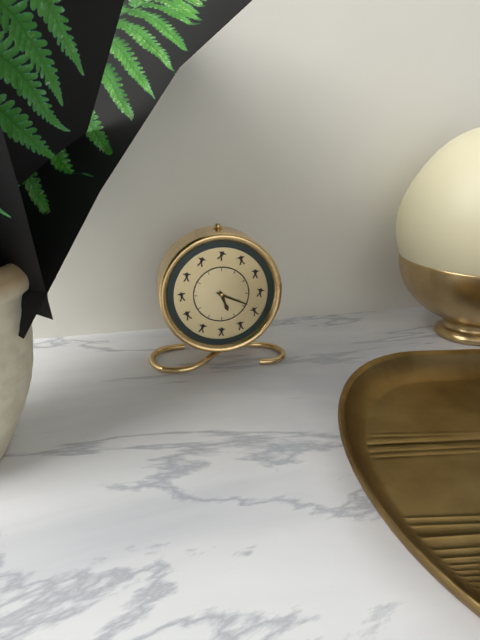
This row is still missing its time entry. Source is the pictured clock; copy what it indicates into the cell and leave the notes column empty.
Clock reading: 5:19
